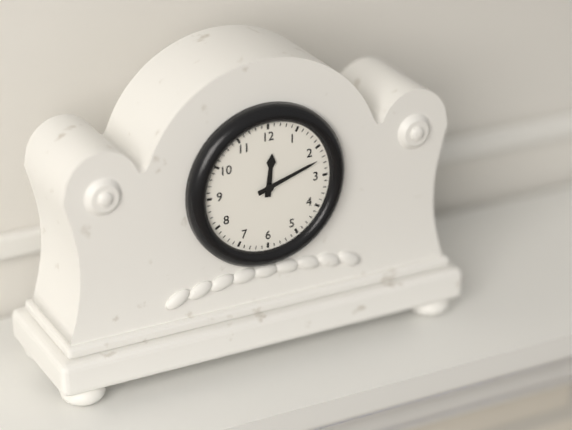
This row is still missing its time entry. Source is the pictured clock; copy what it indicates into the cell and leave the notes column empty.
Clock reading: 12:12
